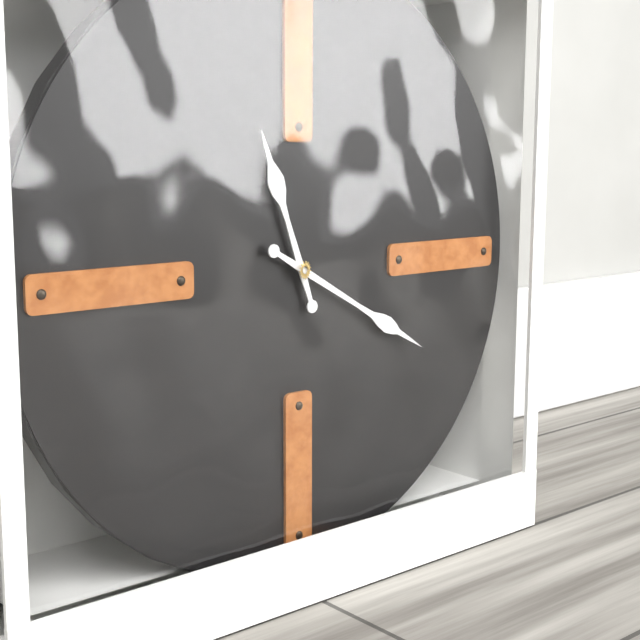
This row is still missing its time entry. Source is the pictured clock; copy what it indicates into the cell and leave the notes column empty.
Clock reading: 11:20
